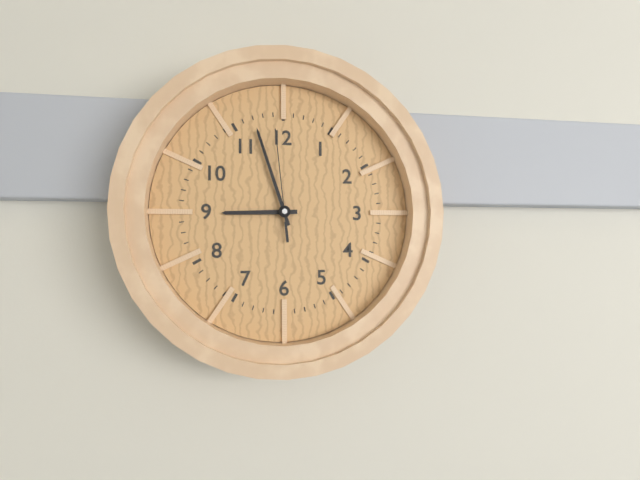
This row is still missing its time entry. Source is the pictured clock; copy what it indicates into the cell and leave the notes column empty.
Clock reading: 8:57:59
